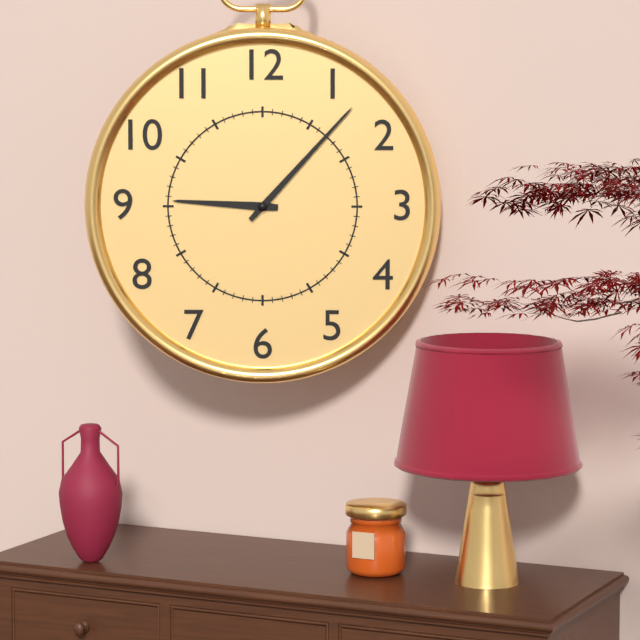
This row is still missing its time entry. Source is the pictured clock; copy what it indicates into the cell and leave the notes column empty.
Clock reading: 9:07
